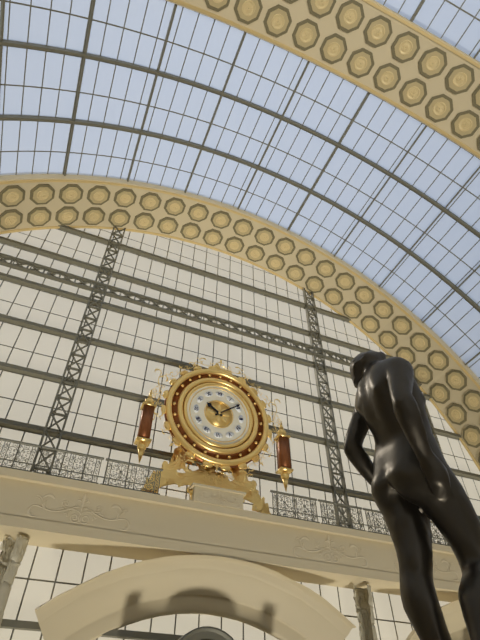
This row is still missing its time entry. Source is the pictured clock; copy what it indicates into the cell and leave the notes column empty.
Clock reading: 10:09
